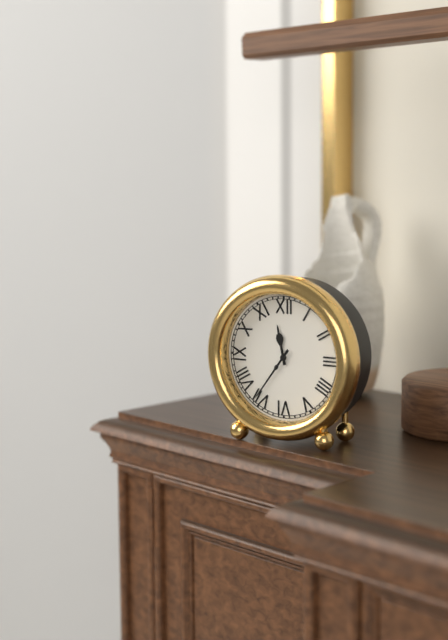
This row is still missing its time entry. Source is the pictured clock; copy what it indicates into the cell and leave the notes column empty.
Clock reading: 11:36
